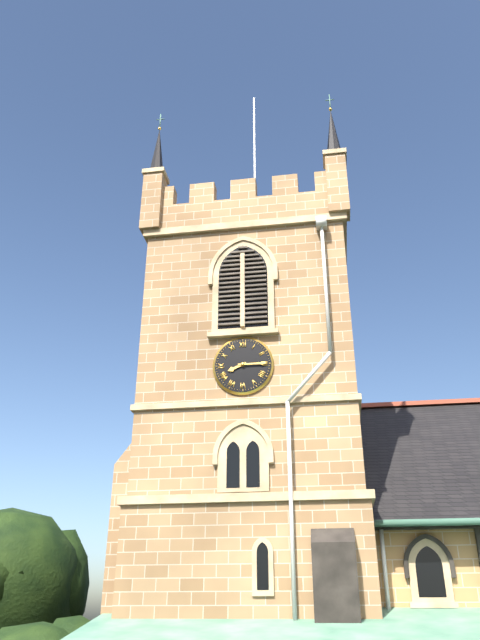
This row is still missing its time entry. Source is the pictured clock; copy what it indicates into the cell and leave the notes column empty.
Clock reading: 8:15
